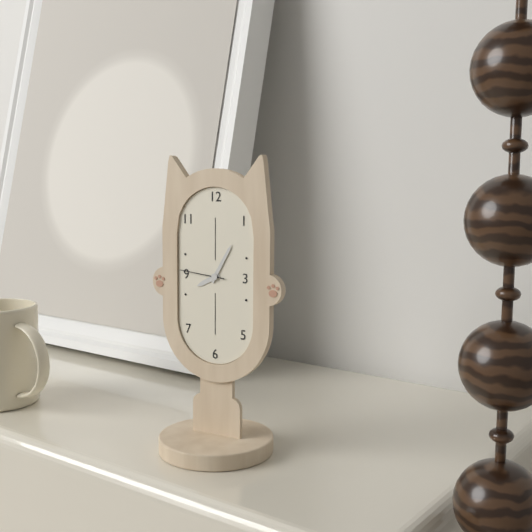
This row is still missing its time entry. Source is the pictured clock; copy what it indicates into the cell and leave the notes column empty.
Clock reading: 8:05
